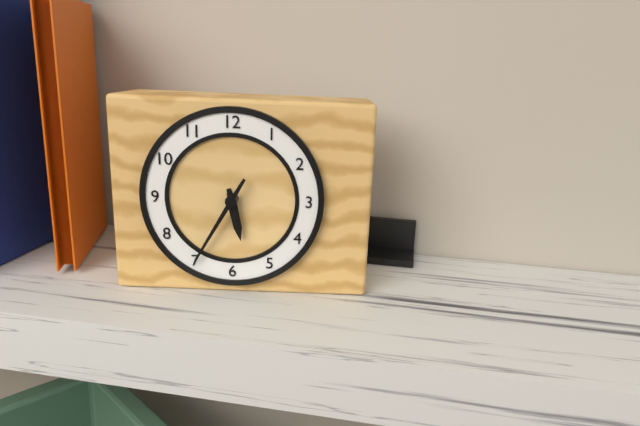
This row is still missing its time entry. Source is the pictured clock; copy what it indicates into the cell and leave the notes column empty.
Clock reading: 5:35
